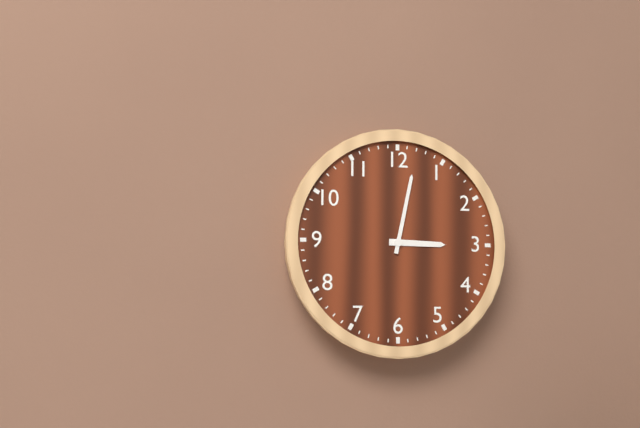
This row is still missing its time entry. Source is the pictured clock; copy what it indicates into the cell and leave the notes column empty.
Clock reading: 3:02
